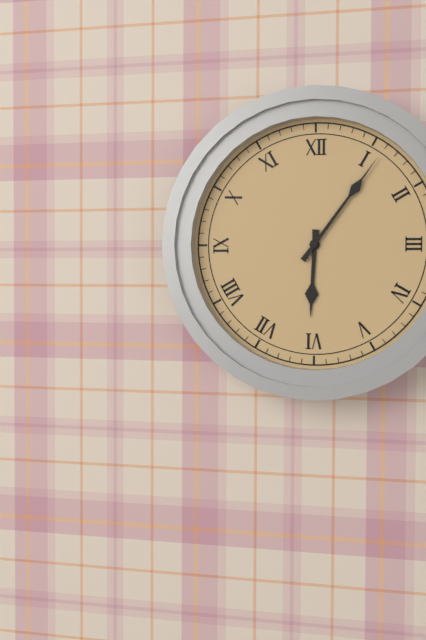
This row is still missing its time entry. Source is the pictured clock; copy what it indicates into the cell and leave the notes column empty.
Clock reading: 6:06
